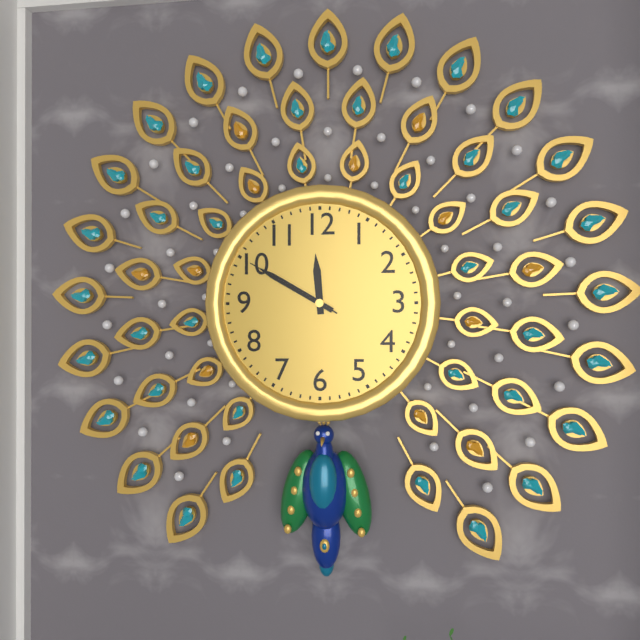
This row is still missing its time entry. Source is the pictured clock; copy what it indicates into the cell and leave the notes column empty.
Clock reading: 11:50:50
